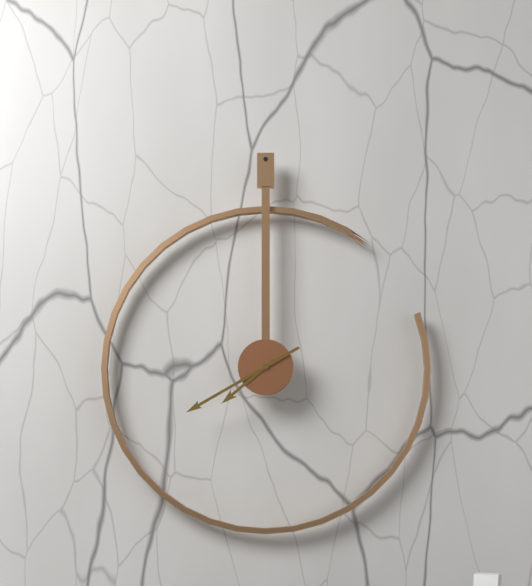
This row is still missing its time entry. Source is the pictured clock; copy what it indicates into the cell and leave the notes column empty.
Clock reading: 7:40
